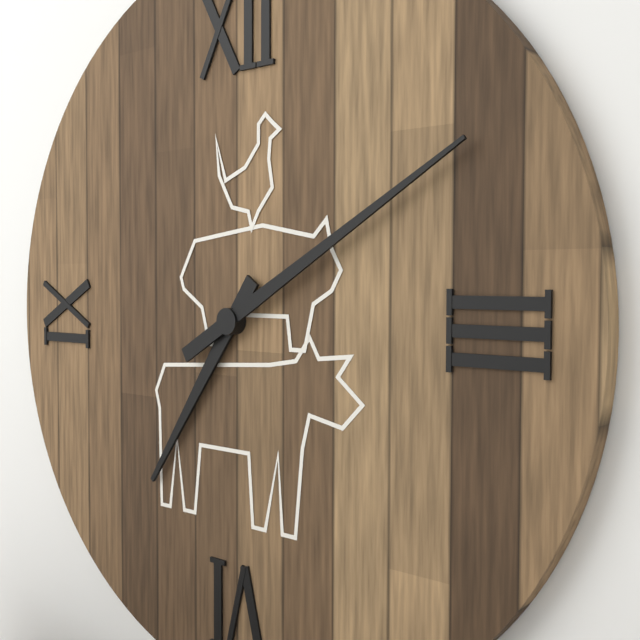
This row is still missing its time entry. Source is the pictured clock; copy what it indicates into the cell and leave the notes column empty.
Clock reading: 7:10
